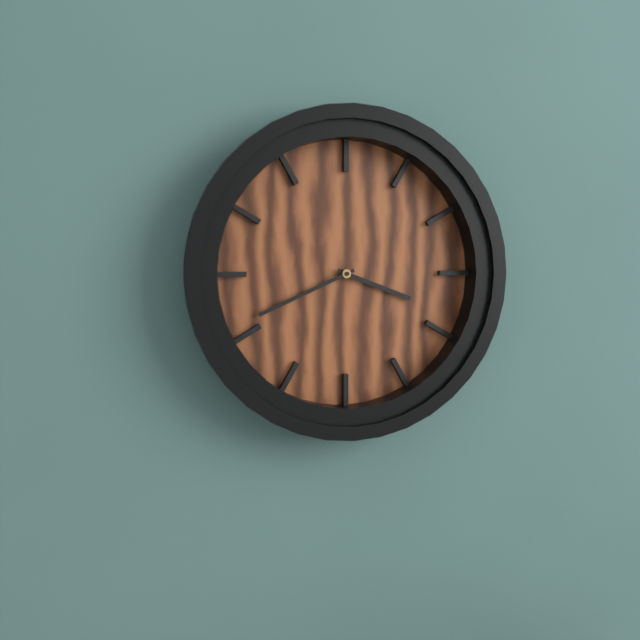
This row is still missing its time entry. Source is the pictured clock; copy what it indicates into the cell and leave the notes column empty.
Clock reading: 3:41
